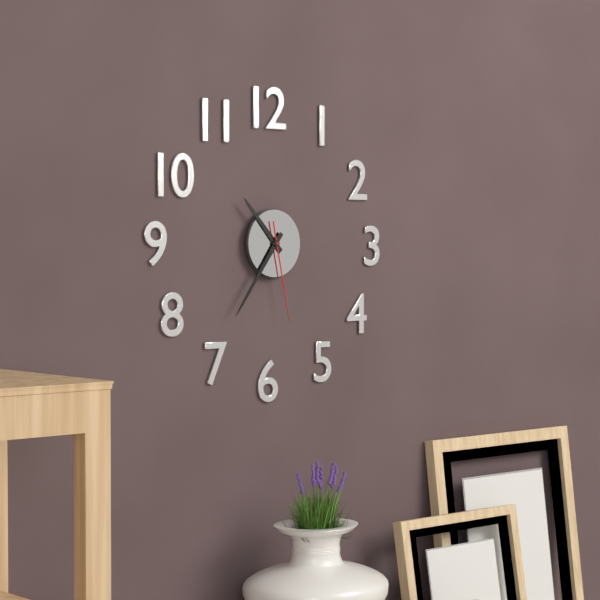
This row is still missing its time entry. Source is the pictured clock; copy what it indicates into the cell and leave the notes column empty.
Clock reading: 10:36:28
